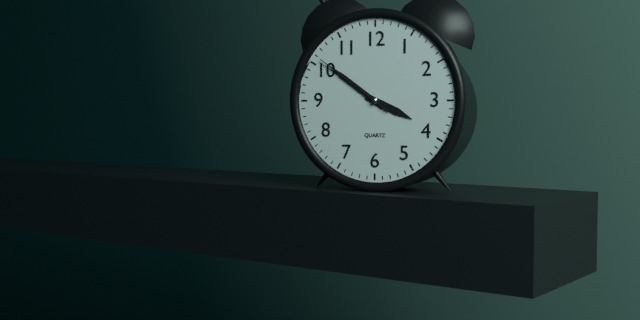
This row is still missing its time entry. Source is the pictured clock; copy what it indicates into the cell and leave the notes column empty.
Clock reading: 3:51:51
